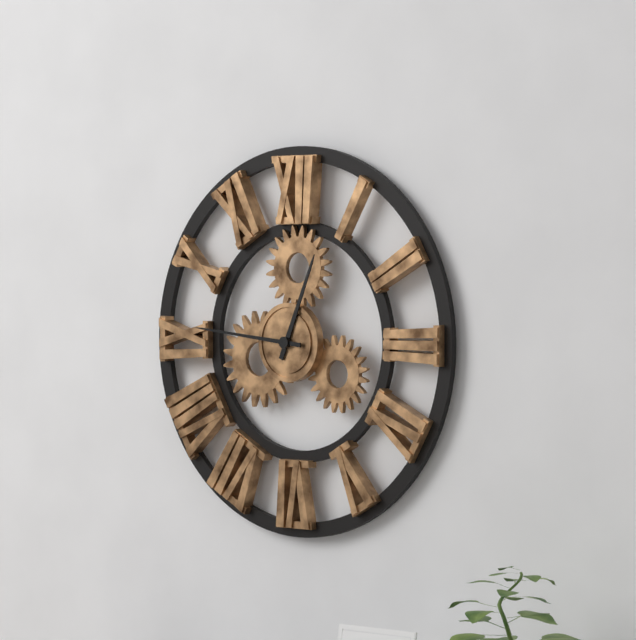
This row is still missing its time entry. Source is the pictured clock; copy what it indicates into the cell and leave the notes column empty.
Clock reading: 12:46
